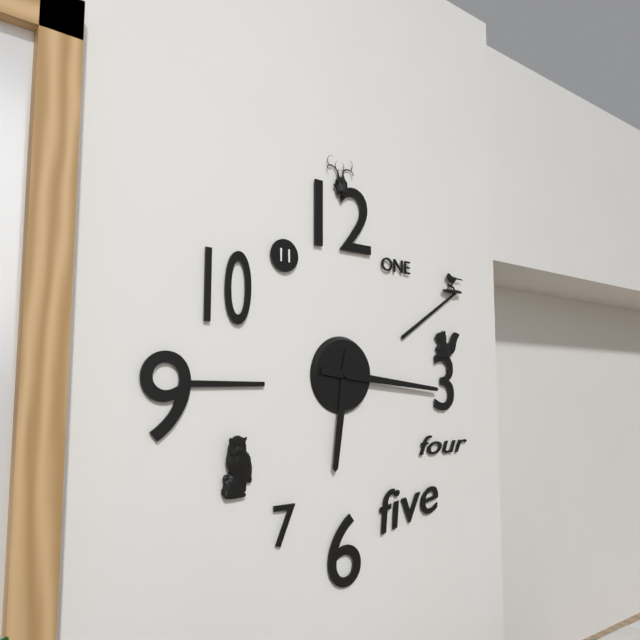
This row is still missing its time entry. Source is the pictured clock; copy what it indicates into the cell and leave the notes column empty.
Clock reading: 6:16
